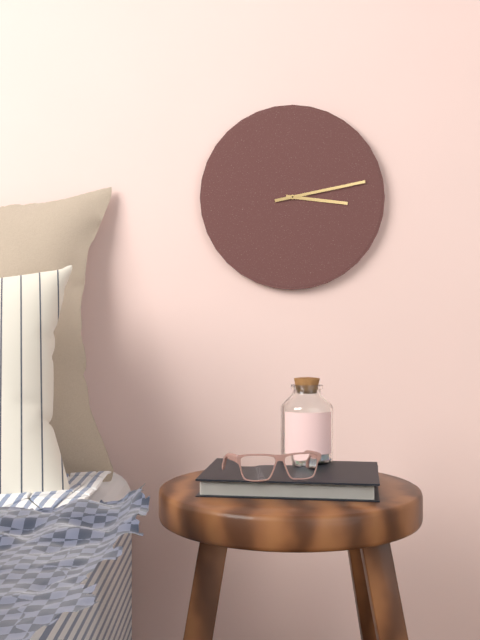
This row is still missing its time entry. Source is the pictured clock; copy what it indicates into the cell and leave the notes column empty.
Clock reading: 3:13
